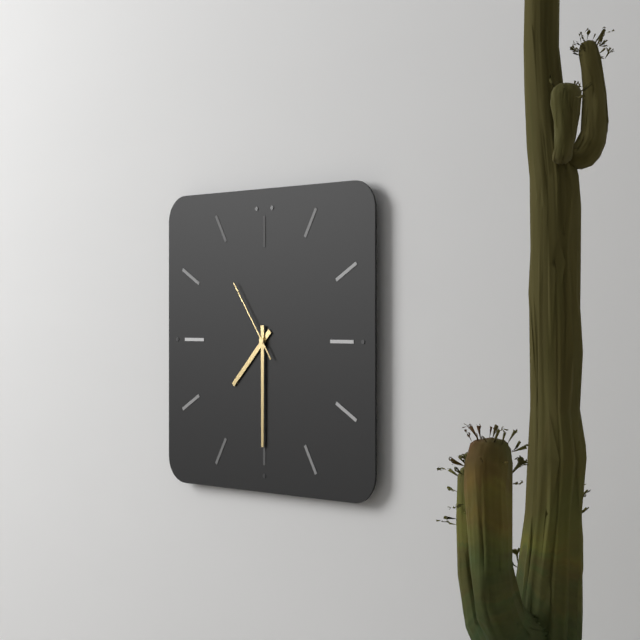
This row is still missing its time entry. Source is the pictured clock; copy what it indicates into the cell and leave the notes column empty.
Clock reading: 7:30:54
